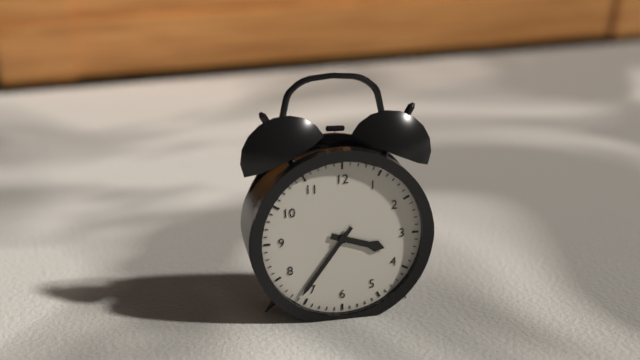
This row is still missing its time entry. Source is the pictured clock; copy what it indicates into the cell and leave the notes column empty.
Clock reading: 3:36
